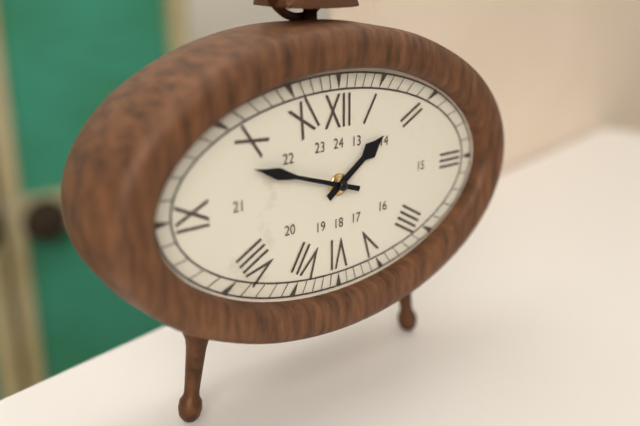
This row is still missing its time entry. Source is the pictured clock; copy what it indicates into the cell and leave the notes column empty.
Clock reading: 1:48
